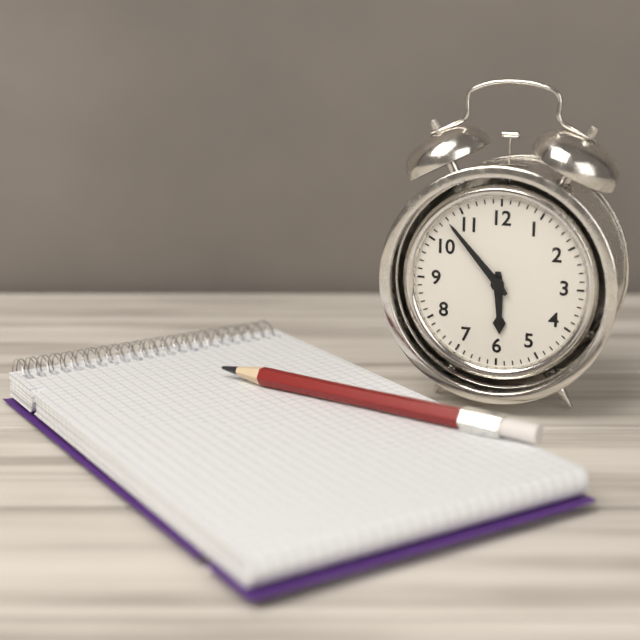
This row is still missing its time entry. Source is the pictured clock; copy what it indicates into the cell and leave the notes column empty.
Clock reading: 5:53
